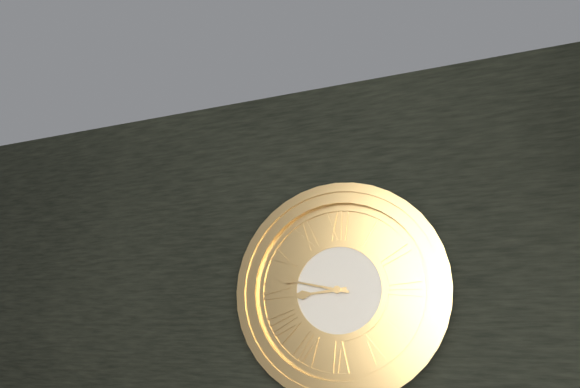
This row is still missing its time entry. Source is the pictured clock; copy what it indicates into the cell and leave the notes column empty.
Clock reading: 8:47
